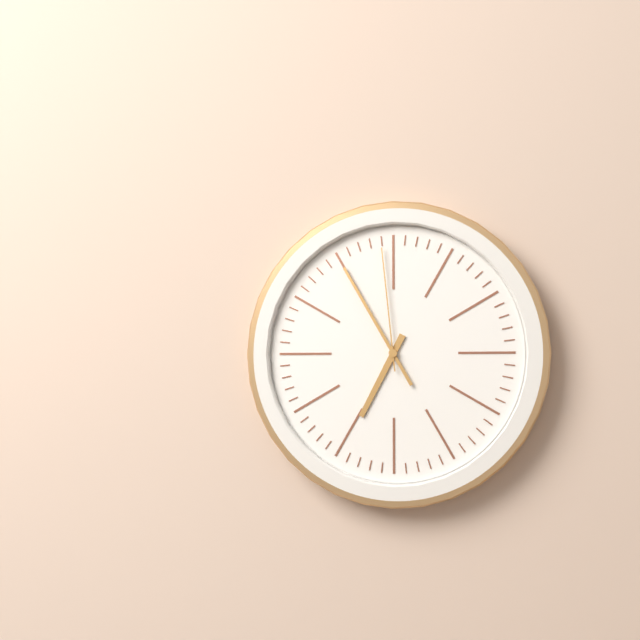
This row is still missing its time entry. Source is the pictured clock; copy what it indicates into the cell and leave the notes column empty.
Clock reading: 6:55:59
